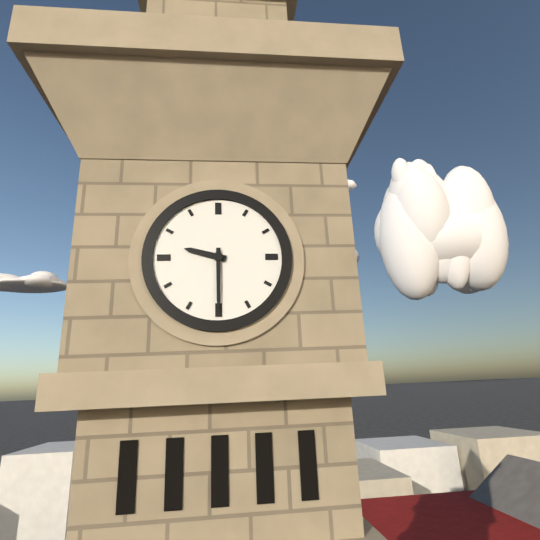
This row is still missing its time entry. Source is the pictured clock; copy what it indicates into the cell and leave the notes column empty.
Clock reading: 9:30
